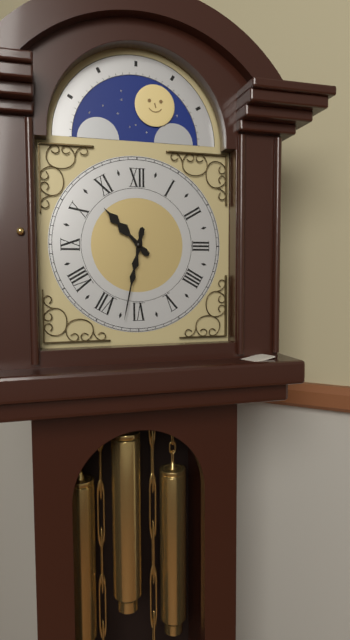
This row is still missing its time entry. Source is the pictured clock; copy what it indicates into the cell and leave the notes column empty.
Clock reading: 10:32
